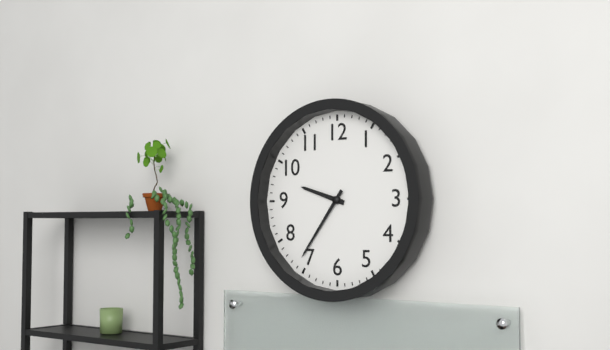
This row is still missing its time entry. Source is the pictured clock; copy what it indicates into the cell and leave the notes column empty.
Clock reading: 9:36
